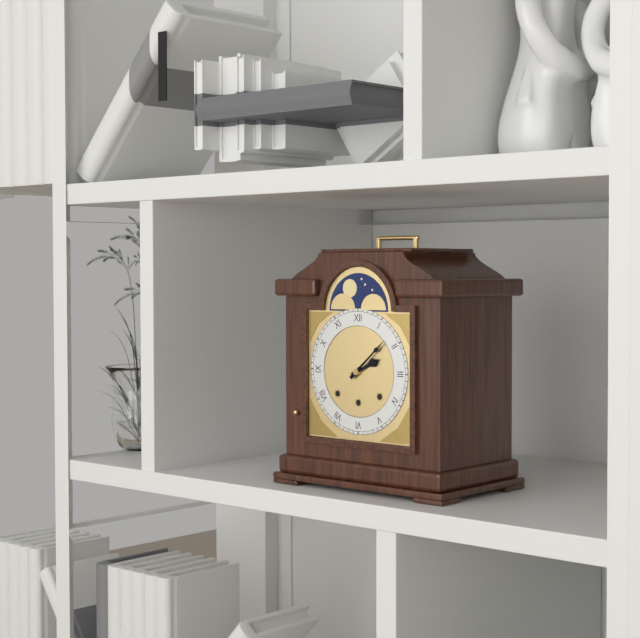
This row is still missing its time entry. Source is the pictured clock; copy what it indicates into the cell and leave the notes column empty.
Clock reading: 2:08
